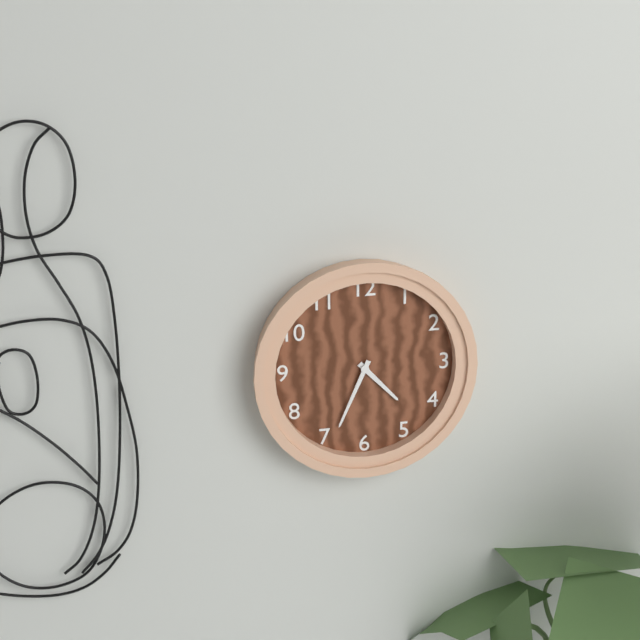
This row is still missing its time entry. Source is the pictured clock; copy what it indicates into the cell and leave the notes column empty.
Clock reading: 4:34
